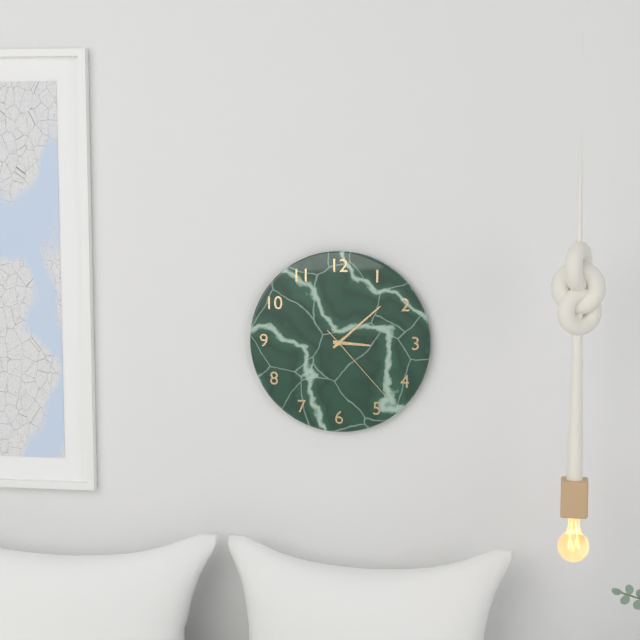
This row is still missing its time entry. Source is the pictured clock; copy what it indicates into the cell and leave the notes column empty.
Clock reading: 3:08:23
